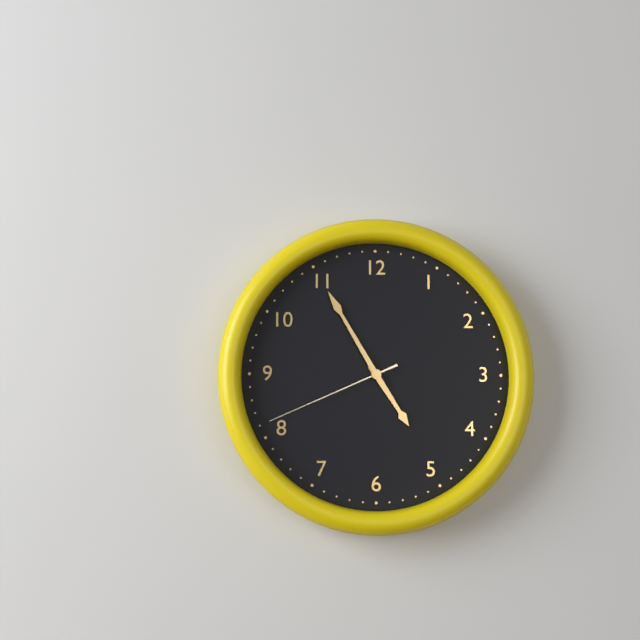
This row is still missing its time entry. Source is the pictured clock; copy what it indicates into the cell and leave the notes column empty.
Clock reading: 4:55:41
